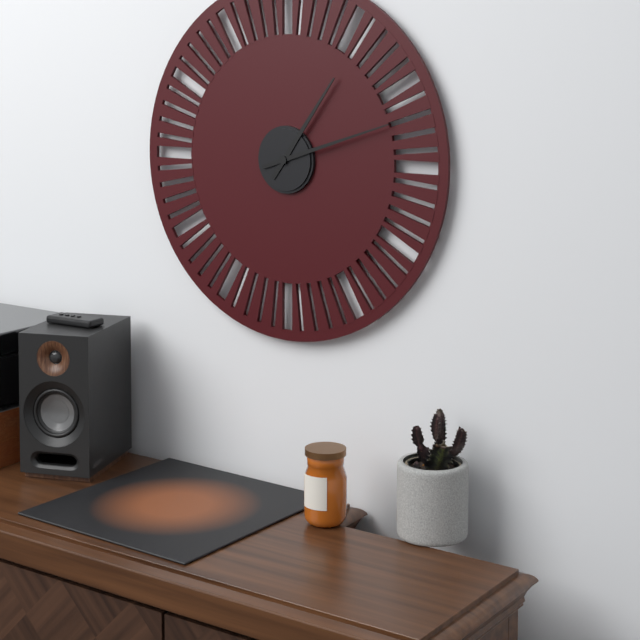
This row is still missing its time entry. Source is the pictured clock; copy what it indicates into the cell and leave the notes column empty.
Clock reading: 1:12
